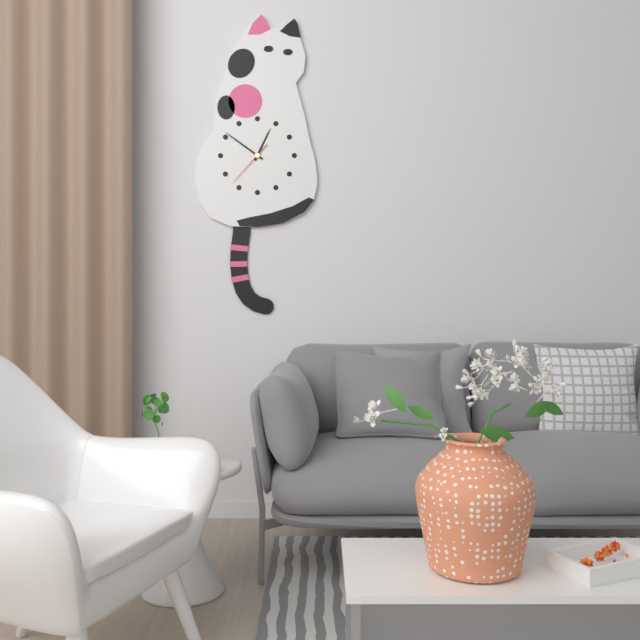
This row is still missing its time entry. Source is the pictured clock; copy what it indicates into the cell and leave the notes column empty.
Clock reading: 12:51
